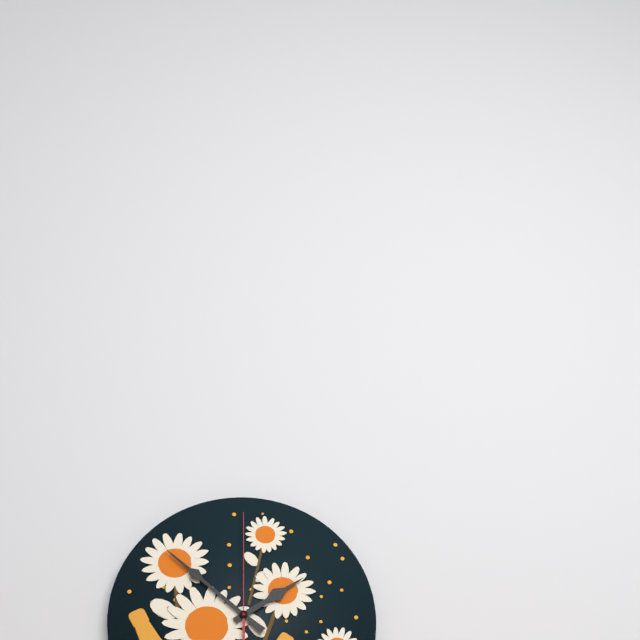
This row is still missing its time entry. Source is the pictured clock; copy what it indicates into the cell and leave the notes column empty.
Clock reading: 1:52:00
